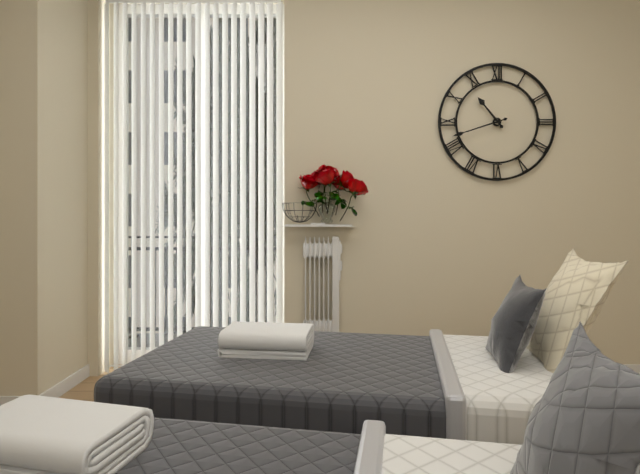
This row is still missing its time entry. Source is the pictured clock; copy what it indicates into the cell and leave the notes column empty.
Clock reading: 10:42
